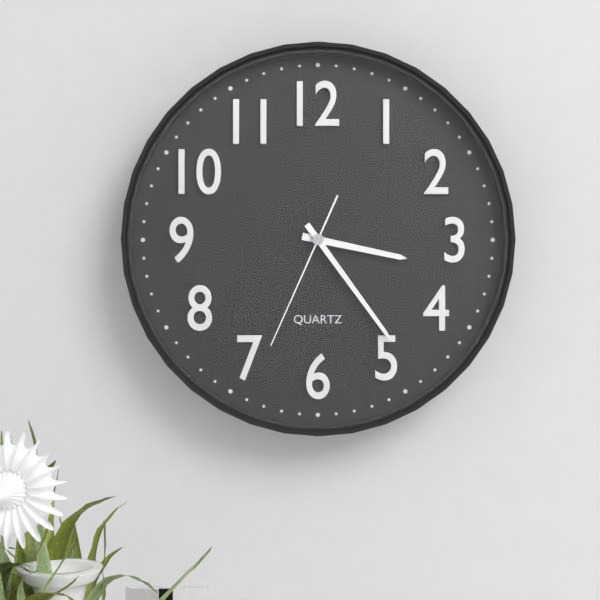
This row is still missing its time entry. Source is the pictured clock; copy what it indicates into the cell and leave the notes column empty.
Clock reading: 3:24:34
